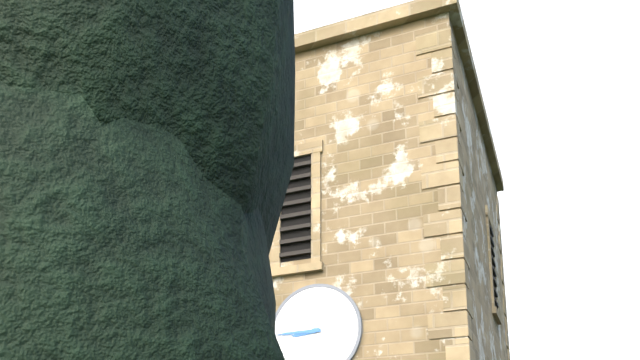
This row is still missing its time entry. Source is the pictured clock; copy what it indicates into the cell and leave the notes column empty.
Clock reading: 8:45
